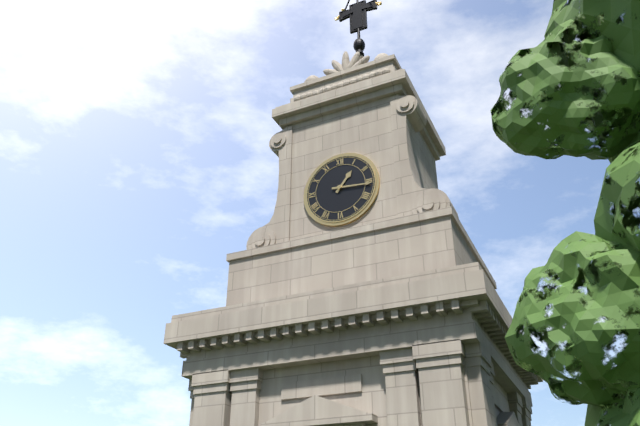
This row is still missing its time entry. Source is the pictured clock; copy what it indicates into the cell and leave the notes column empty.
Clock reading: 1:16
